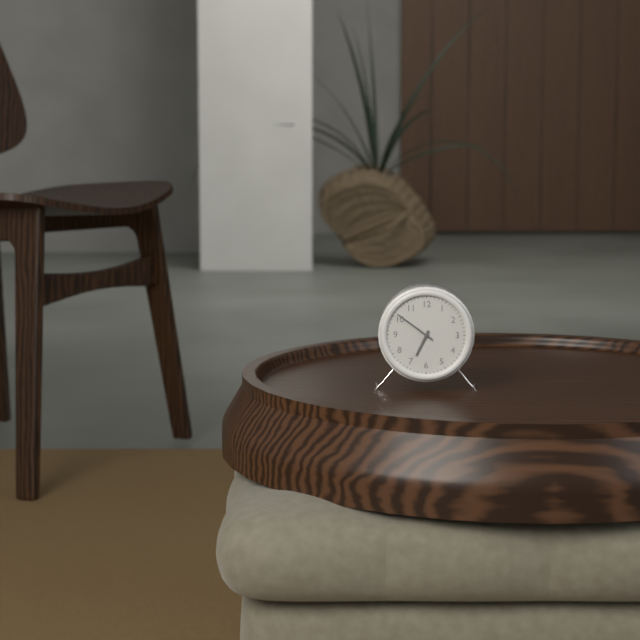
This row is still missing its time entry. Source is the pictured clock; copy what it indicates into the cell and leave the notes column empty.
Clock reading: 6:51
